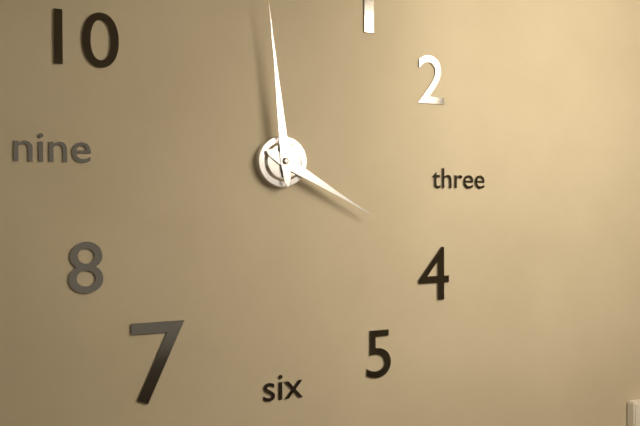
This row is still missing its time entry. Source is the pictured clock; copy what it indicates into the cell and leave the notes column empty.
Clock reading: 3:59
